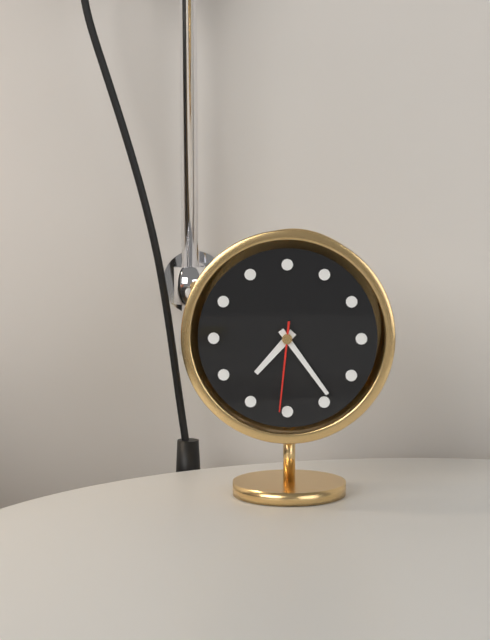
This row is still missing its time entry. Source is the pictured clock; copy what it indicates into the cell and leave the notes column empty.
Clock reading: 7:24:31
